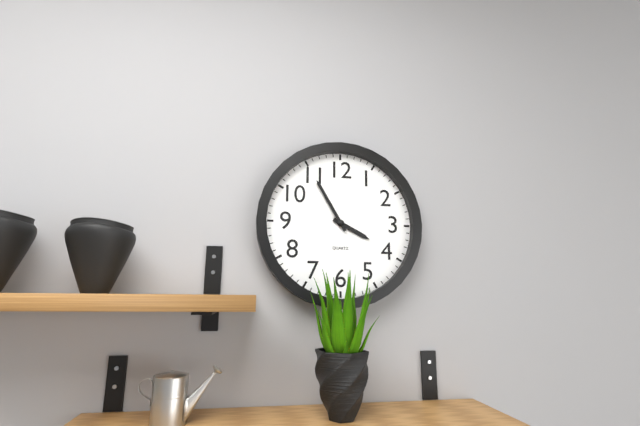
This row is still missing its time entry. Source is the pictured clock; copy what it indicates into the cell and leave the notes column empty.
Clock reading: 3:55
